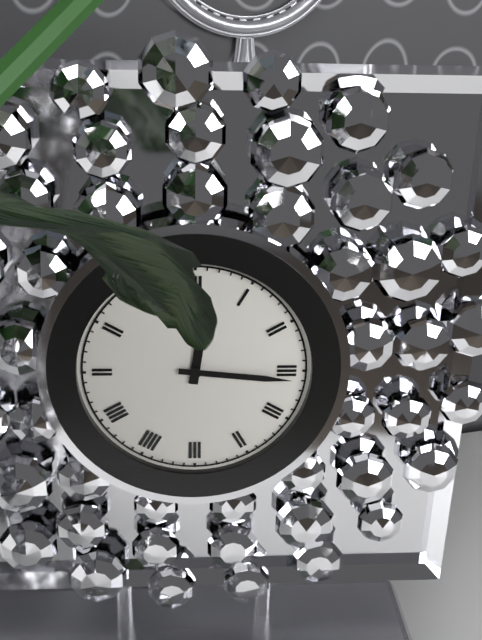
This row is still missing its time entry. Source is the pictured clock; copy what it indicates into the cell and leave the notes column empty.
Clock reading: 12:16
